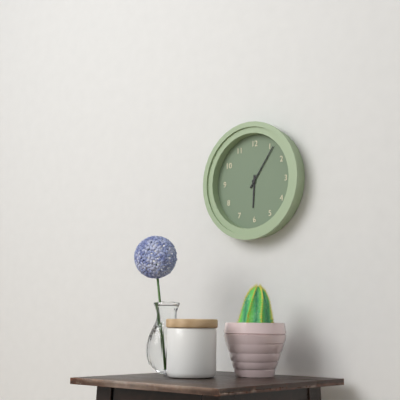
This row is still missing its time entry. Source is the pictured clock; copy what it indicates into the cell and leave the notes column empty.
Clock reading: 6:06
